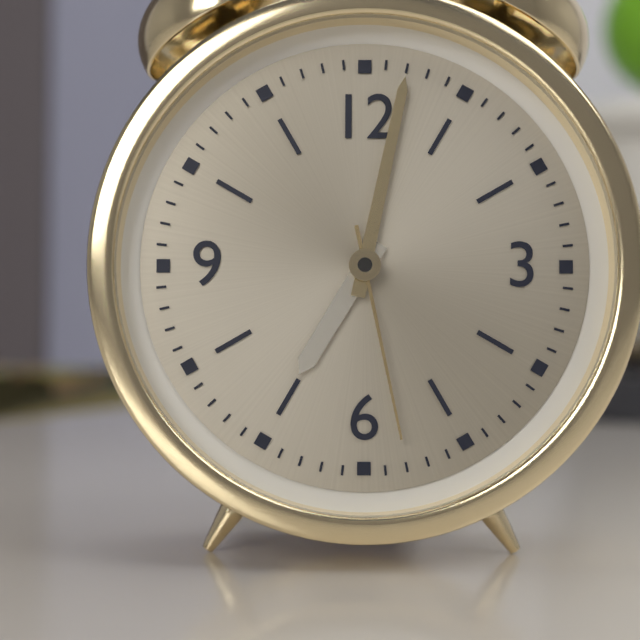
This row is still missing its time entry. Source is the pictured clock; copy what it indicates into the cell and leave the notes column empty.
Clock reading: 7:02:28
